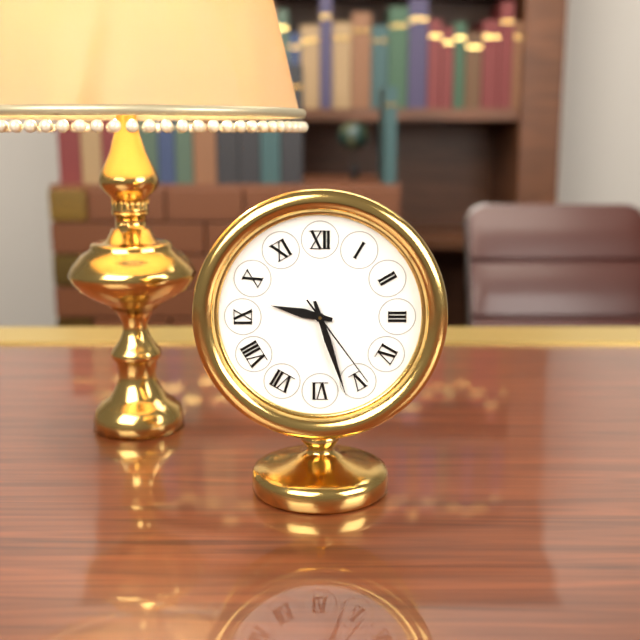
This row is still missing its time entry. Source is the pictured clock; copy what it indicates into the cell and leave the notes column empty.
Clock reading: 9:27:24
